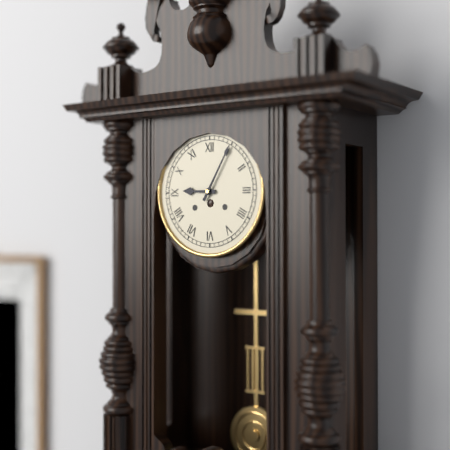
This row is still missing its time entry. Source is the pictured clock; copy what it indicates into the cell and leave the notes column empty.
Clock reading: 9:05
